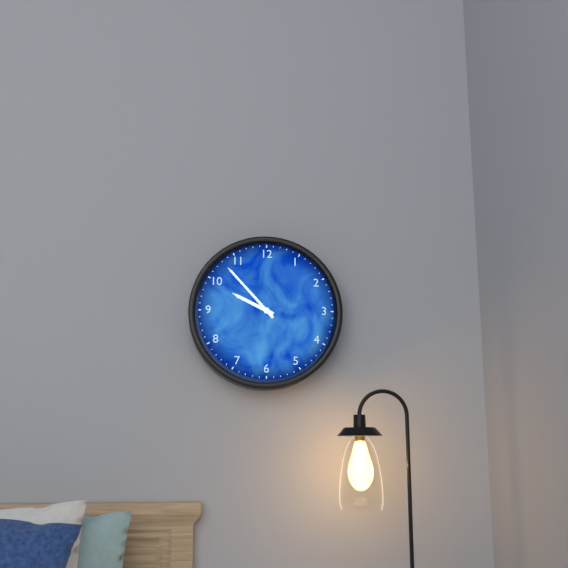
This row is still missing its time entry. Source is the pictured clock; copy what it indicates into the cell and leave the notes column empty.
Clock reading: 9:53
